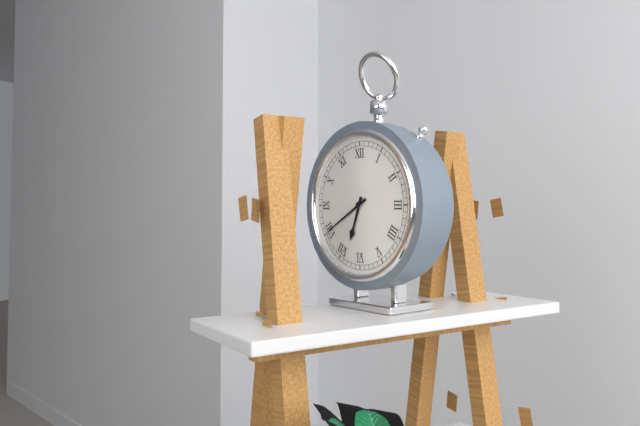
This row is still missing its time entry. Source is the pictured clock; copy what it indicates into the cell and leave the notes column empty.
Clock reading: 6:40
